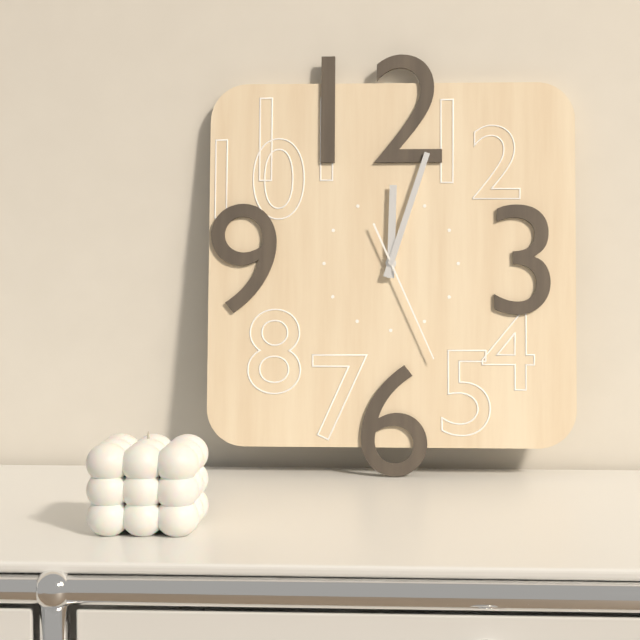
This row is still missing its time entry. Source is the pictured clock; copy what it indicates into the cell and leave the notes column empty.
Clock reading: 12:03:26
